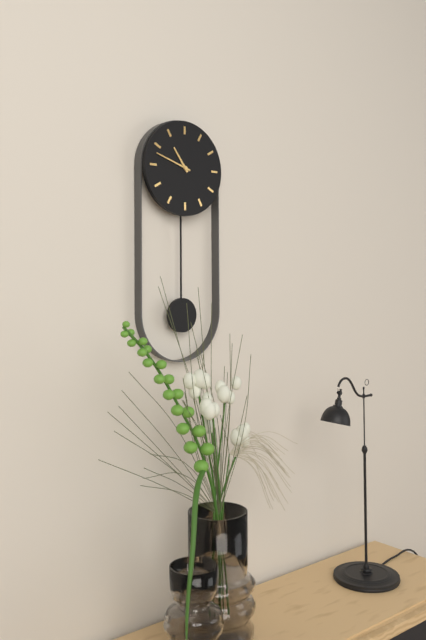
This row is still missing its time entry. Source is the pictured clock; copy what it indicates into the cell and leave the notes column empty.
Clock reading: 10:48
